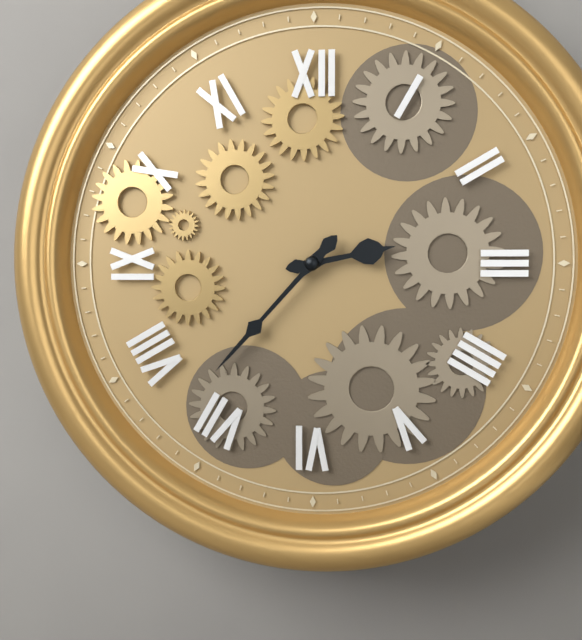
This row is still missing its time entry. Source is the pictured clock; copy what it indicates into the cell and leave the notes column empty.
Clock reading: 2:37
